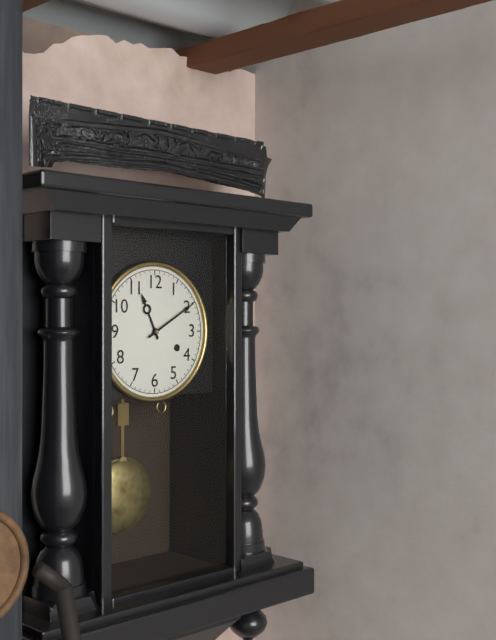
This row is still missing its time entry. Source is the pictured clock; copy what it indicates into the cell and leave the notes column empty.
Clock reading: 11:10
